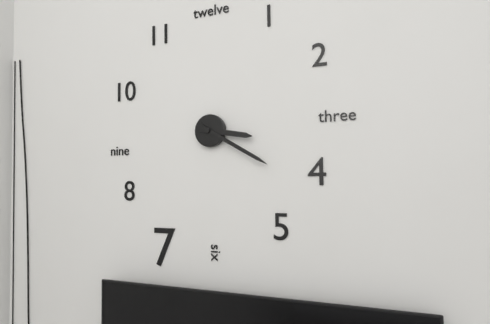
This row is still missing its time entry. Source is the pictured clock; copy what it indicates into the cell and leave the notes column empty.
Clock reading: 3:20
